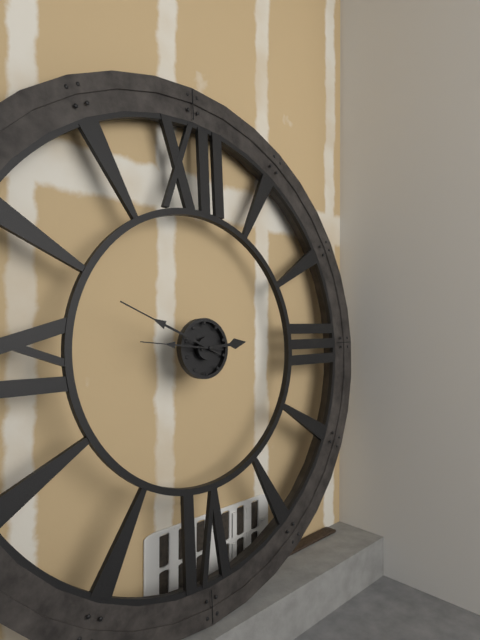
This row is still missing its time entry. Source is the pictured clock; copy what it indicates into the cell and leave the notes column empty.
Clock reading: 2:49:46
